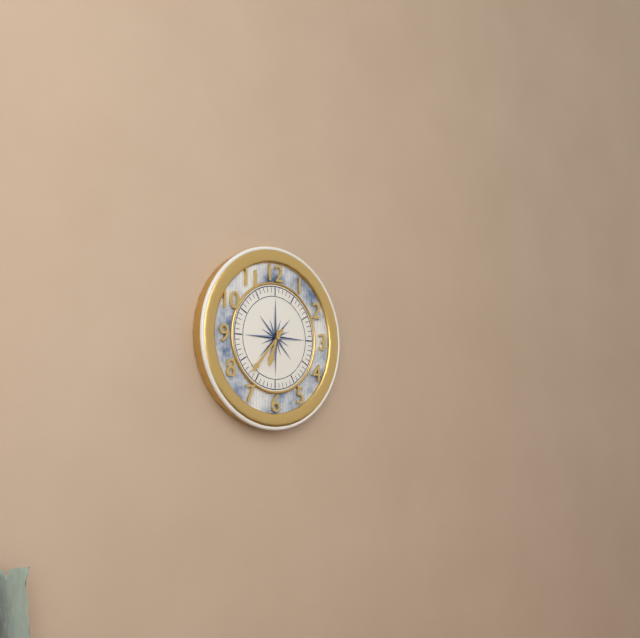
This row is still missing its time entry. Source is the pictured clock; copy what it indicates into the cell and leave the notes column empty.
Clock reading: 6:37
